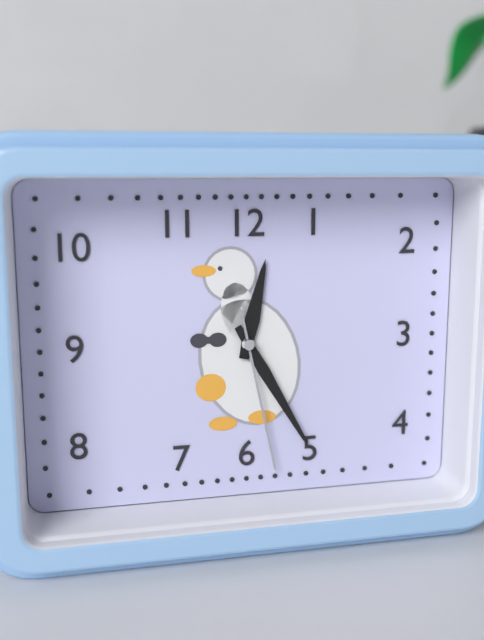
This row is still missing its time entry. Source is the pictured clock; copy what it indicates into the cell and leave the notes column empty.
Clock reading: 12:25:28
